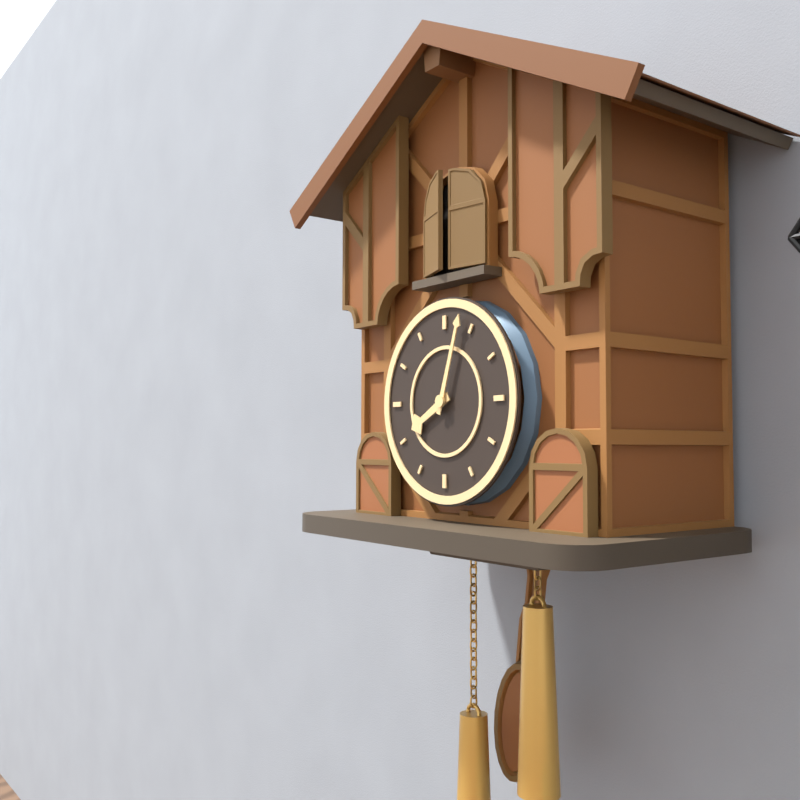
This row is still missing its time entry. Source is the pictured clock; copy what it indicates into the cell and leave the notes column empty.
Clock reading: 8:03
